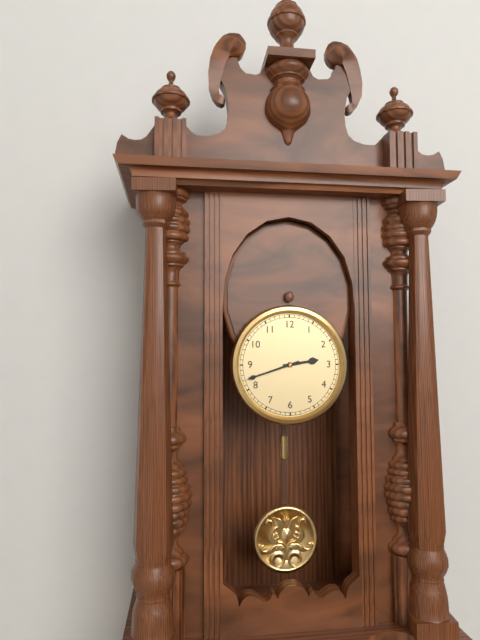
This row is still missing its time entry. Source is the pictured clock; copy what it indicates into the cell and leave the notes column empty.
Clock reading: 2:42
